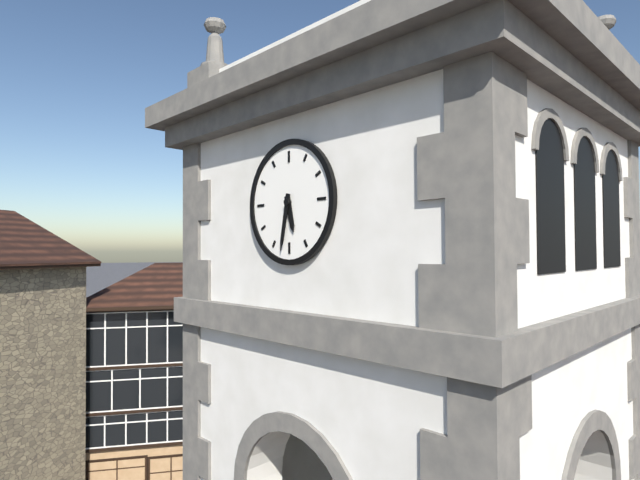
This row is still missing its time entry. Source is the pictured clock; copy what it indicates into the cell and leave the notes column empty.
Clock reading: 5:32
